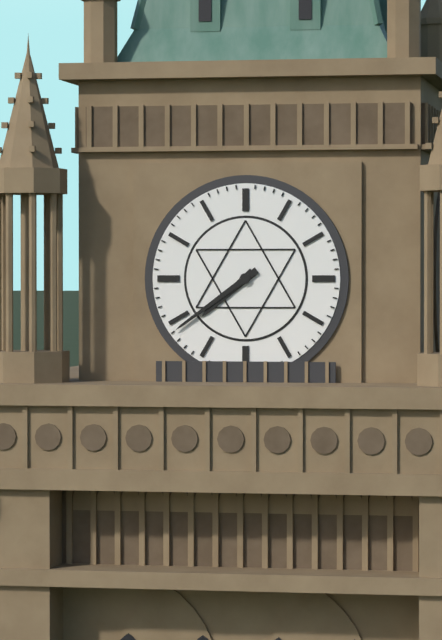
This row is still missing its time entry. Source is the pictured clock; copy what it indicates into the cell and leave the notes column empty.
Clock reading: 7:39
